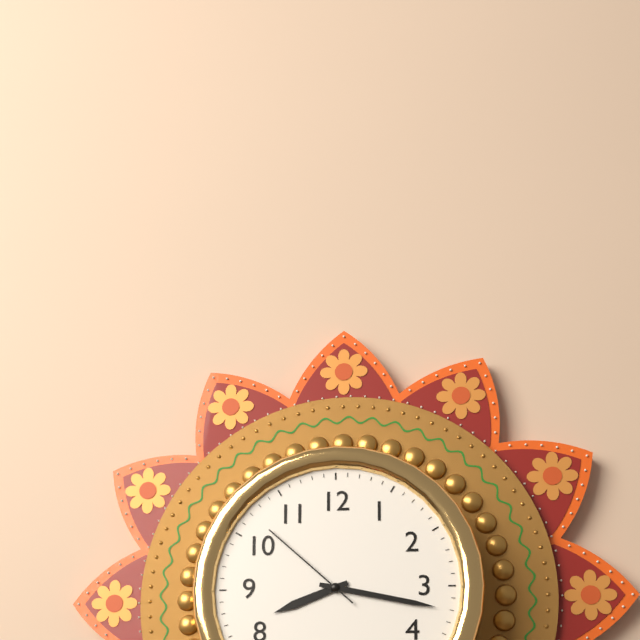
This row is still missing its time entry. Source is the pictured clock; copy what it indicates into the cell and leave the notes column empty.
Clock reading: 8:17:52
